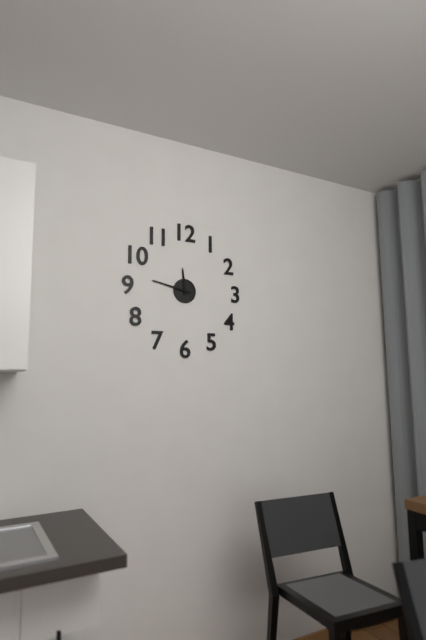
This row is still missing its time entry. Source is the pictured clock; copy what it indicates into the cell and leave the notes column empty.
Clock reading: 11:47
